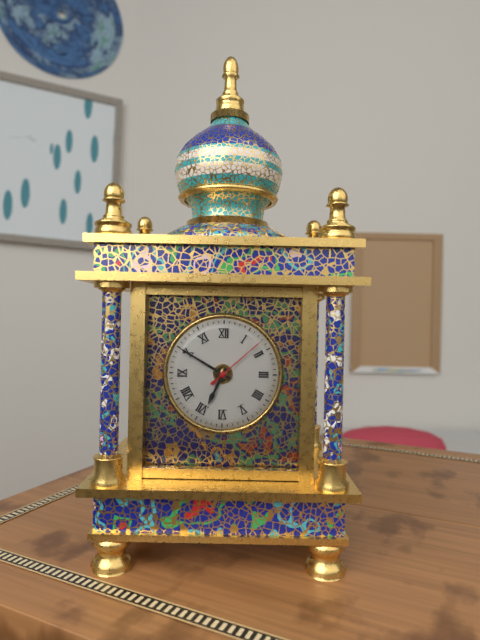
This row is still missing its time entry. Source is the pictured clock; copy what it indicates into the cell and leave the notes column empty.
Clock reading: 6:50:08
